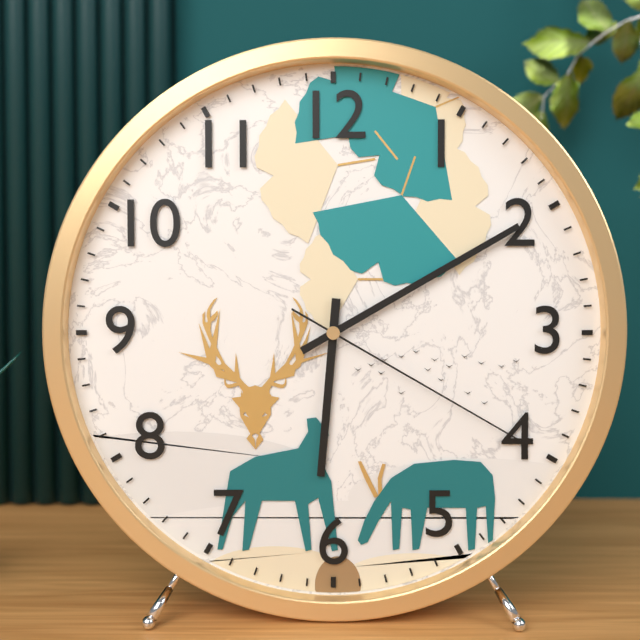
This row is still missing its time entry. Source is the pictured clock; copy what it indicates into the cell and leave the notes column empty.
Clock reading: 6:10:20
